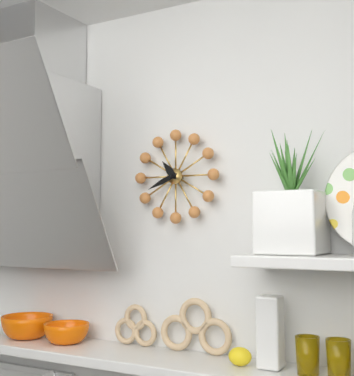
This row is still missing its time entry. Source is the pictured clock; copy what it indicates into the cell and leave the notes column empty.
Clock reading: 10:41
